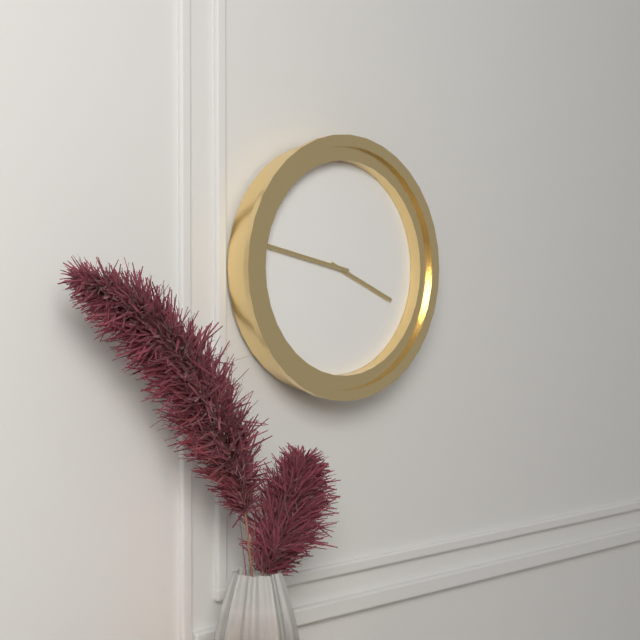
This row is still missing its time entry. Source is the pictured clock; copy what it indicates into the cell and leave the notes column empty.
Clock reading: 3:47
